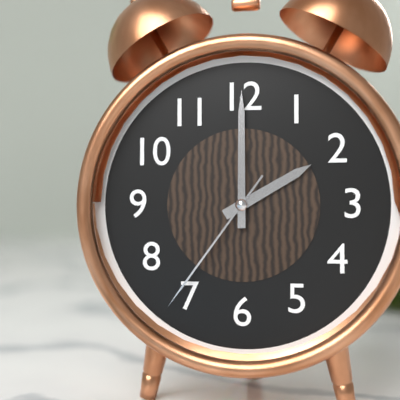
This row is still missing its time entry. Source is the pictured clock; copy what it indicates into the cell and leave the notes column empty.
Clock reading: 2:00:36
